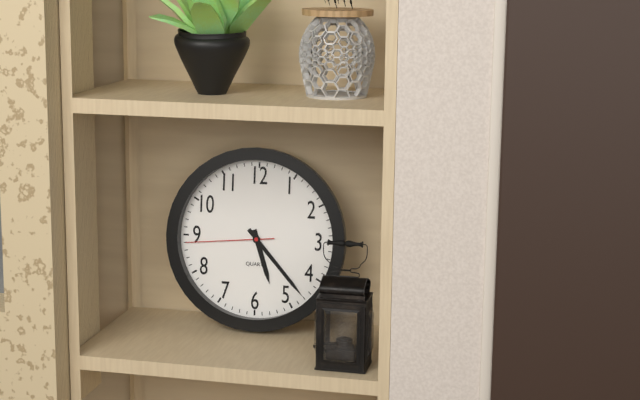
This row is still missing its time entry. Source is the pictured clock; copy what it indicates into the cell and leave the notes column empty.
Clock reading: 5:23:44
